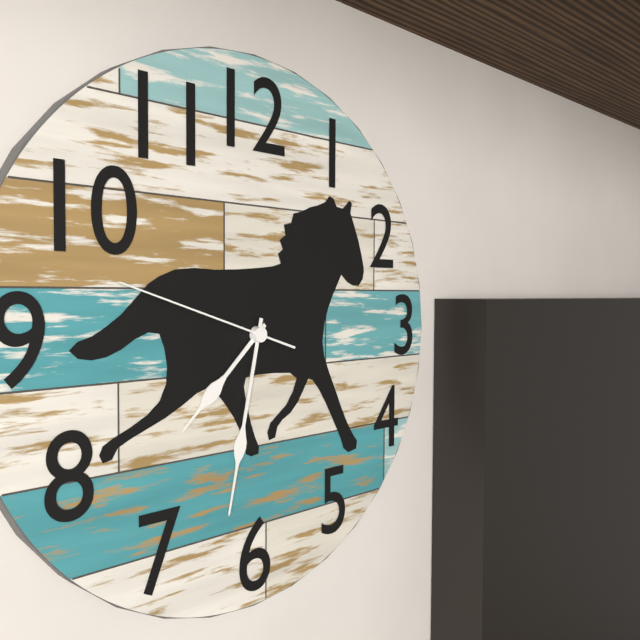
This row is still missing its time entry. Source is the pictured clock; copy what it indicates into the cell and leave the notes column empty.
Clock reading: 7:32:48
